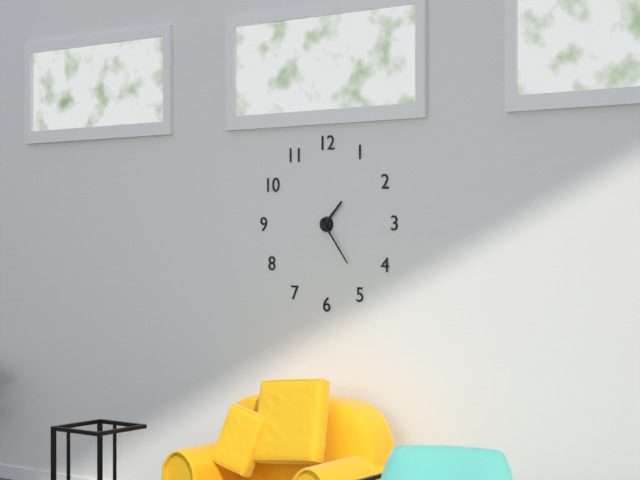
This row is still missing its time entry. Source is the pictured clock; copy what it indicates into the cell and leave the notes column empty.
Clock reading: 1:24
